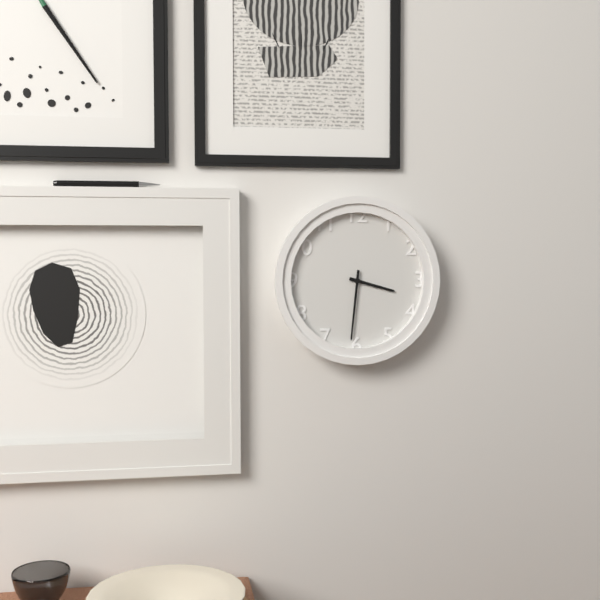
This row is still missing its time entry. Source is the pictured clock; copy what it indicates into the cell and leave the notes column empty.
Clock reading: 3:31
